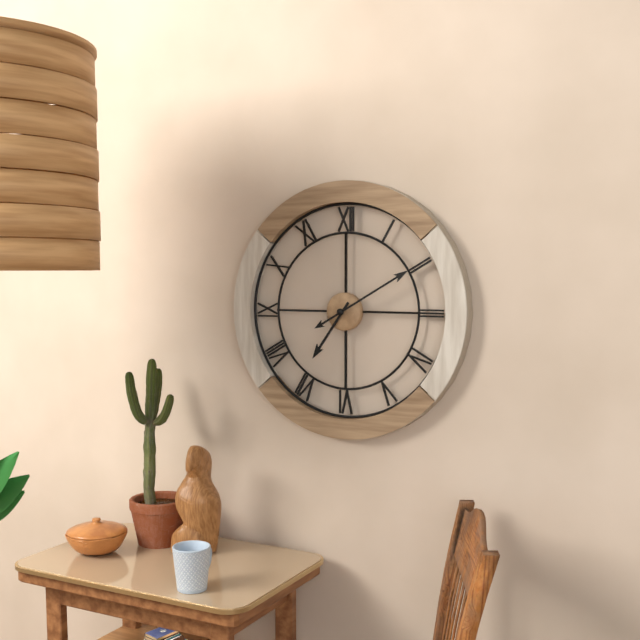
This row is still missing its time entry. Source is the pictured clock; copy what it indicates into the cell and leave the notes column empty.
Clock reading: 7:10
